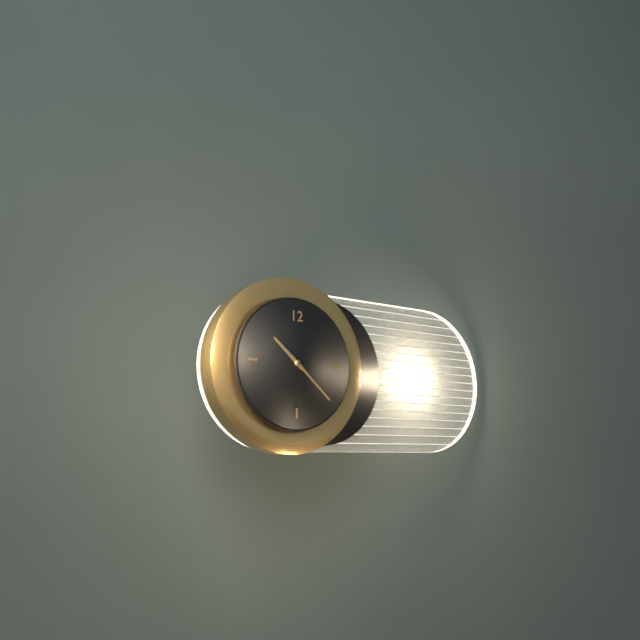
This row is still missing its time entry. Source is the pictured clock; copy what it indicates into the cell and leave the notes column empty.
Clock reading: 10:22
